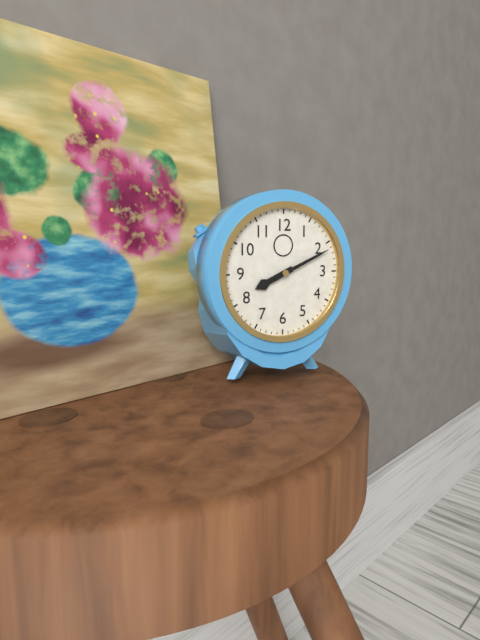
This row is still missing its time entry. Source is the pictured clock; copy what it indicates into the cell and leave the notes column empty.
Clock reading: 8:11
